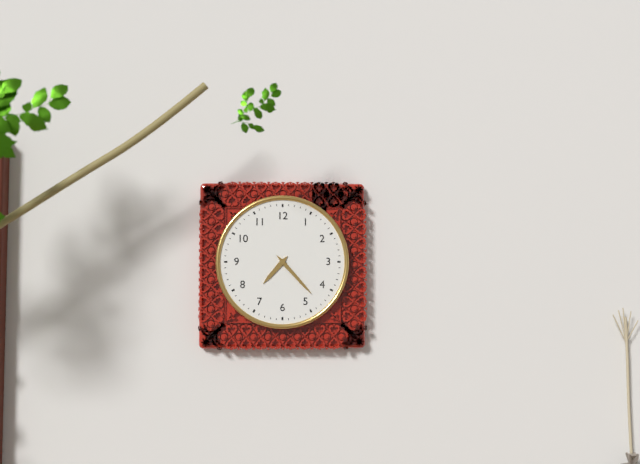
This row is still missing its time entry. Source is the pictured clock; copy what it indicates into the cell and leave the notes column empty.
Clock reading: 7:23
